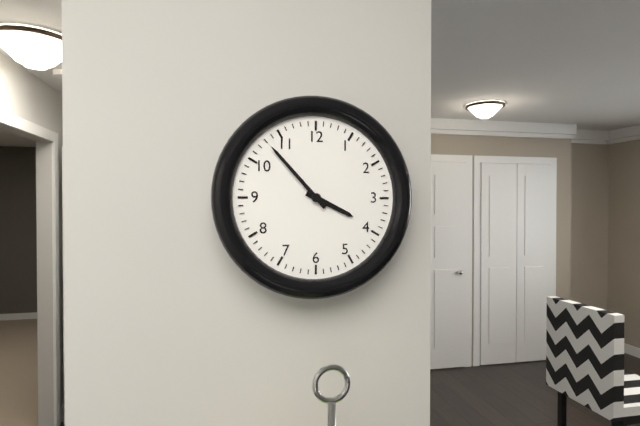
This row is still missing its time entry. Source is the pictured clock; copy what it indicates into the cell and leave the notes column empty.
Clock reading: 3:53
